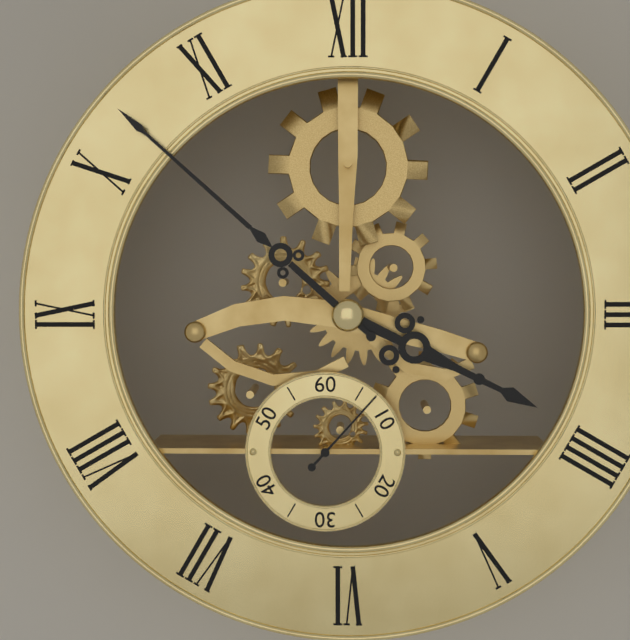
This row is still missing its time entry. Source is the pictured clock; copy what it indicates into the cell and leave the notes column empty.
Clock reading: 3:52:07
